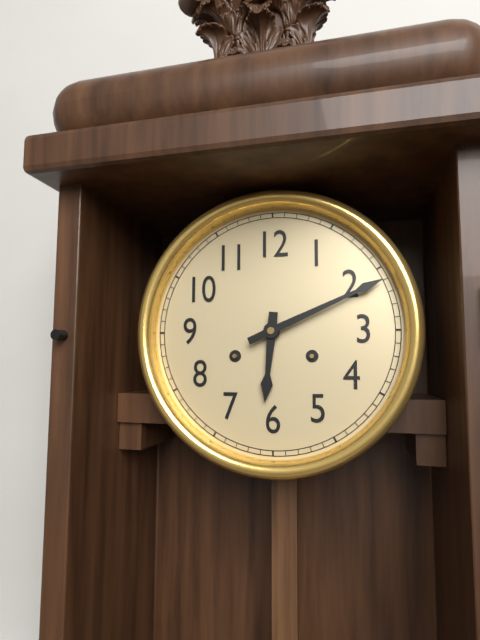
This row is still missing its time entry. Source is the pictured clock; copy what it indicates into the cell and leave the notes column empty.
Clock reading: 6:11
